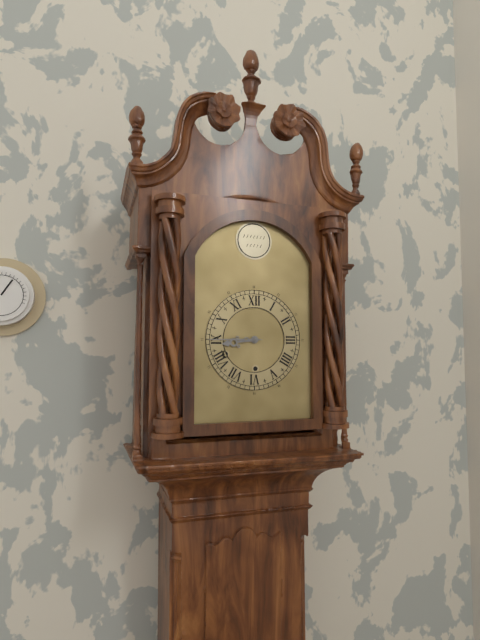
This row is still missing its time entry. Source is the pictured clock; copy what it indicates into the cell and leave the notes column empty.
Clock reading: 8:45
